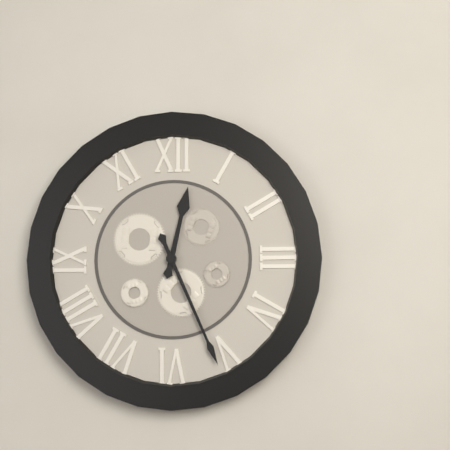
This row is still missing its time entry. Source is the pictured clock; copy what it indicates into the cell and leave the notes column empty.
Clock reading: 12:26
